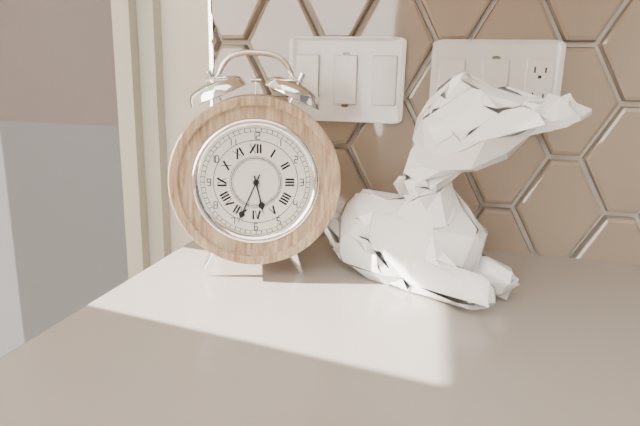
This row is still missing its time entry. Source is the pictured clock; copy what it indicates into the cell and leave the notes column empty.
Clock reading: 5:34
